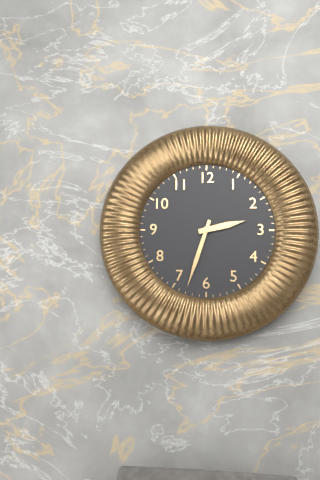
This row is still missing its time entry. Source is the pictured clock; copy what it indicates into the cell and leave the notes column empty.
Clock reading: 2:33
